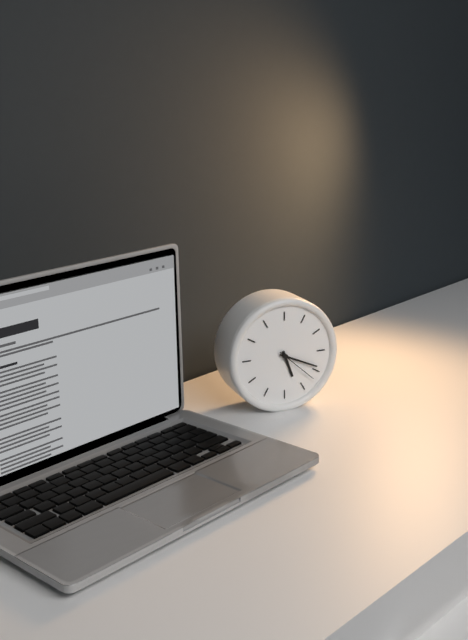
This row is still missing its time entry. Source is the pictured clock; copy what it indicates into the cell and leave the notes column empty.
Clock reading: 5:19
